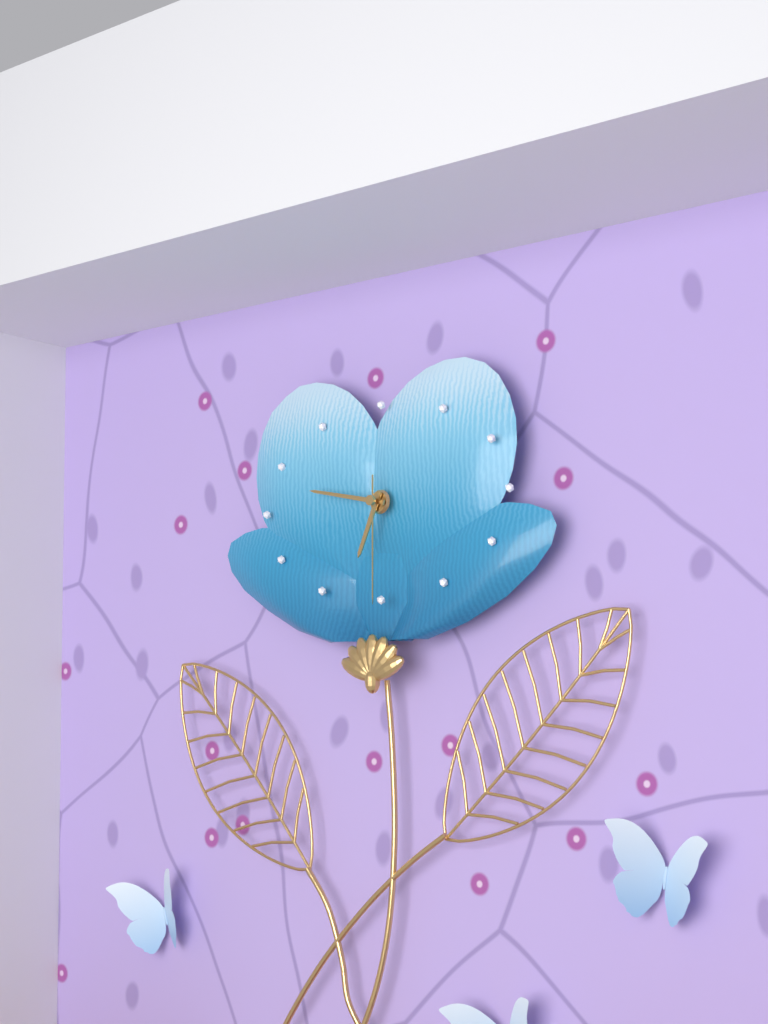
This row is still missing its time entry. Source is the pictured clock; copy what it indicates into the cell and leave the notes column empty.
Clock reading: 6:47:30
